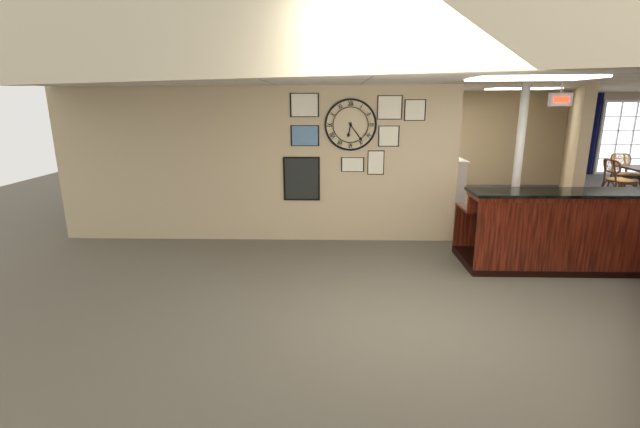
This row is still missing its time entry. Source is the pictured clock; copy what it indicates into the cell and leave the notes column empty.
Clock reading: 6:24
